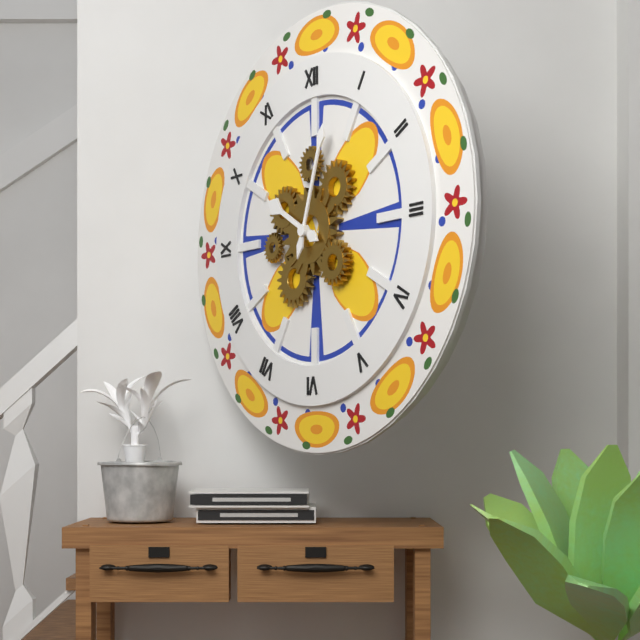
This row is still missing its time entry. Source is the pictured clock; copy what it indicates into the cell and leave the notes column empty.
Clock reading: 10:03
